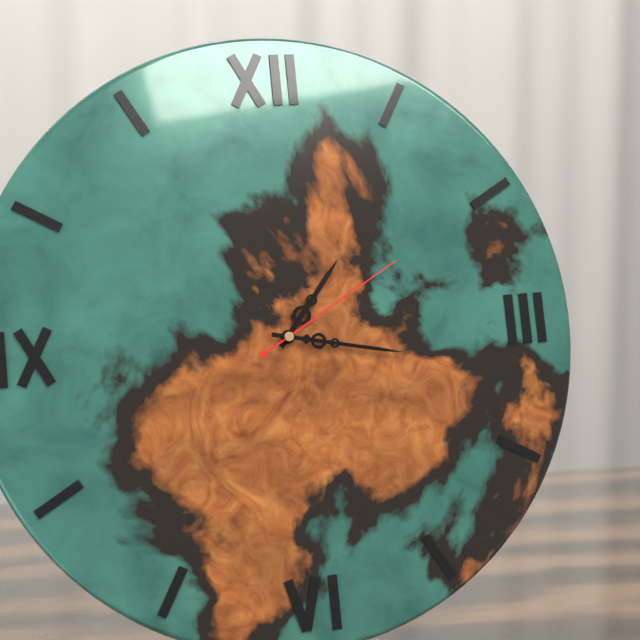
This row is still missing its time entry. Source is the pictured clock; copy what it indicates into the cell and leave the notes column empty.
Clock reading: 1:17:10
